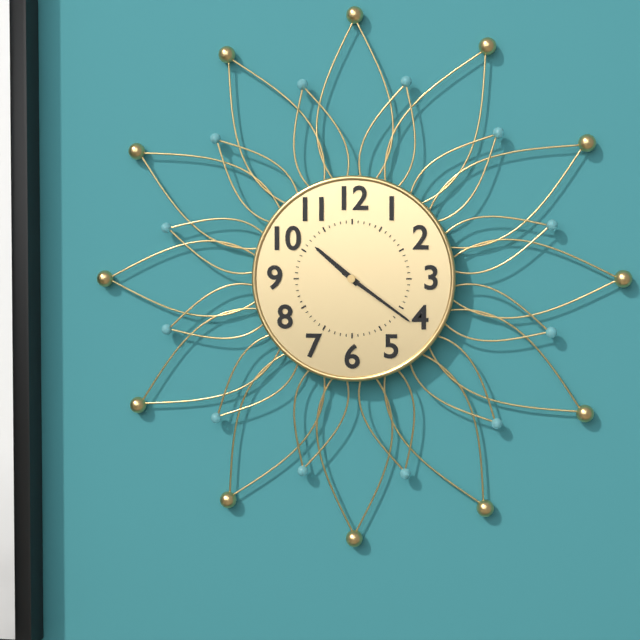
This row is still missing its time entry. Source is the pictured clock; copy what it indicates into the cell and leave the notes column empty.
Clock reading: 10:21
